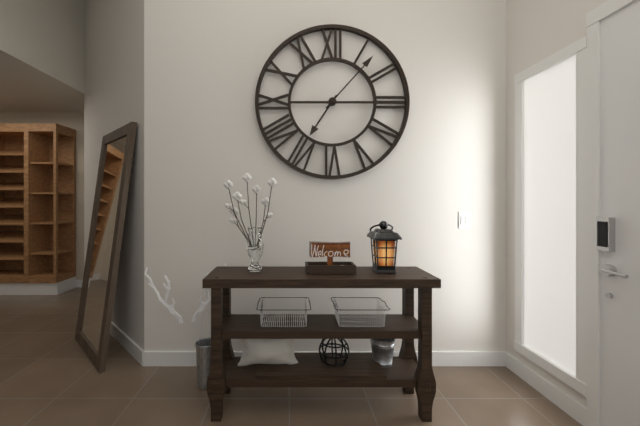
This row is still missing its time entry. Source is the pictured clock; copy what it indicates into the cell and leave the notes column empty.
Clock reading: 7:07
